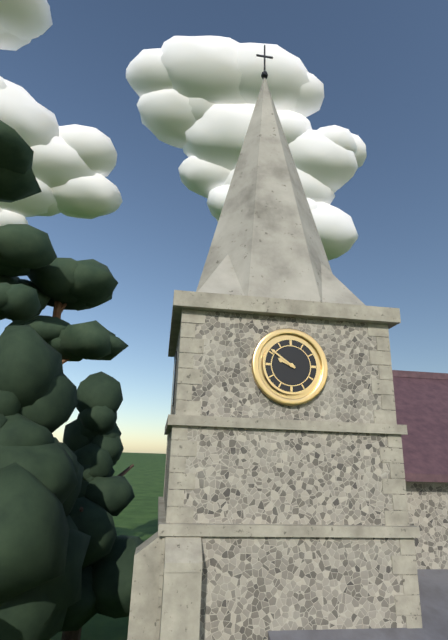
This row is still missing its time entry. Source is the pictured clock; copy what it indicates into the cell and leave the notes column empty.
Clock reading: 9:51
